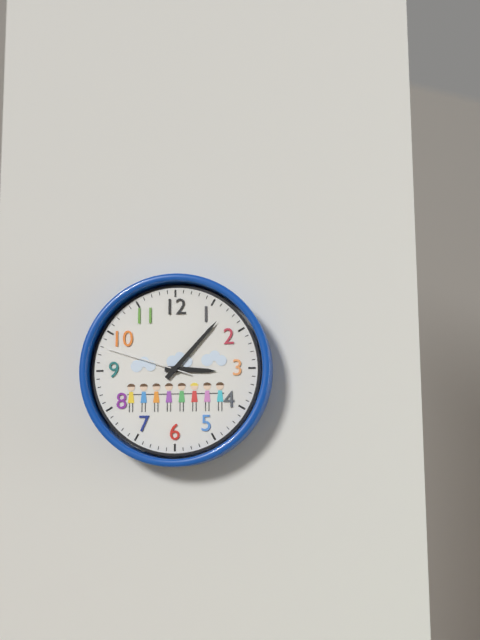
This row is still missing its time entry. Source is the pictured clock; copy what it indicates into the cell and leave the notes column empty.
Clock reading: 3:07:48
